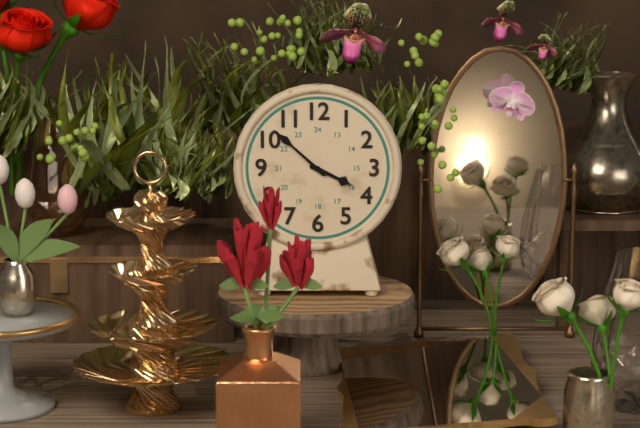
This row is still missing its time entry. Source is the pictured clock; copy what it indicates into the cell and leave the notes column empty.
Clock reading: 3:52
